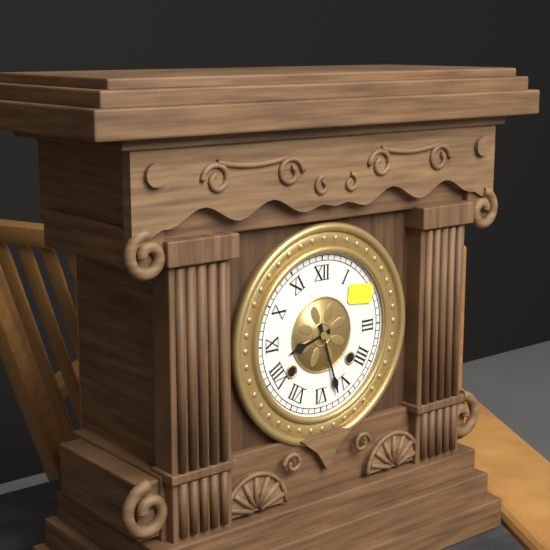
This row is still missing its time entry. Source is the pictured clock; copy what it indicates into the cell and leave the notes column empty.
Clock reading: 8:27
